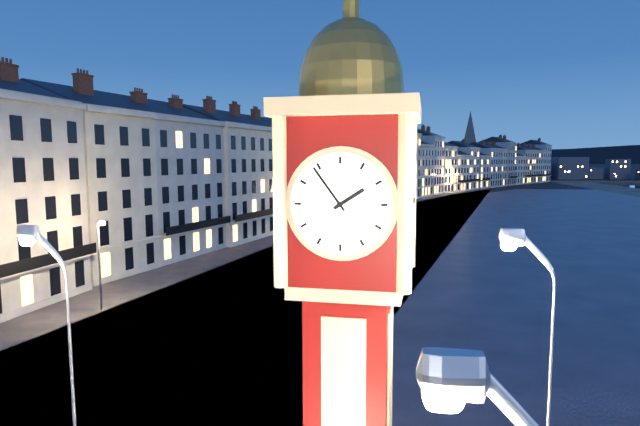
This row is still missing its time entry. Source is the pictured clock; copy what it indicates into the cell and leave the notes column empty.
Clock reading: 1:54
